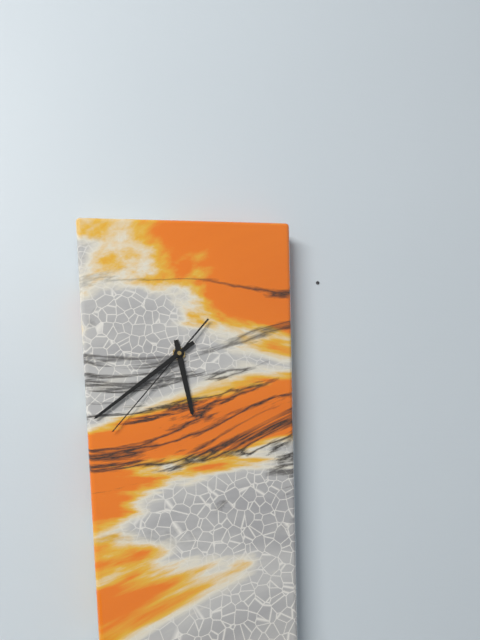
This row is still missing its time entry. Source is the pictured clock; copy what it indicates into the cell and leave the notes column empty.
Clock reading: 5:39:37
